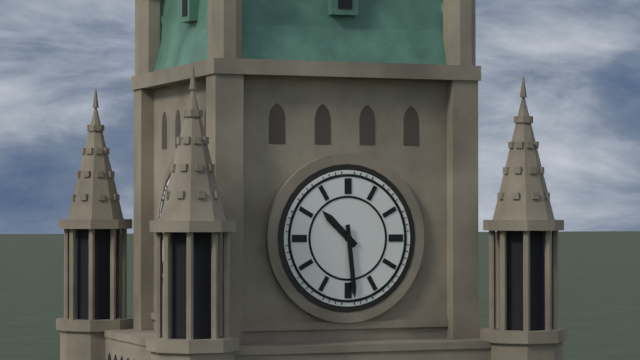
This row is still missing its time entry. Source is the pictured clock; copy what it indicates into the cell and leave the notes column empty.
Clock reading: 10:29
